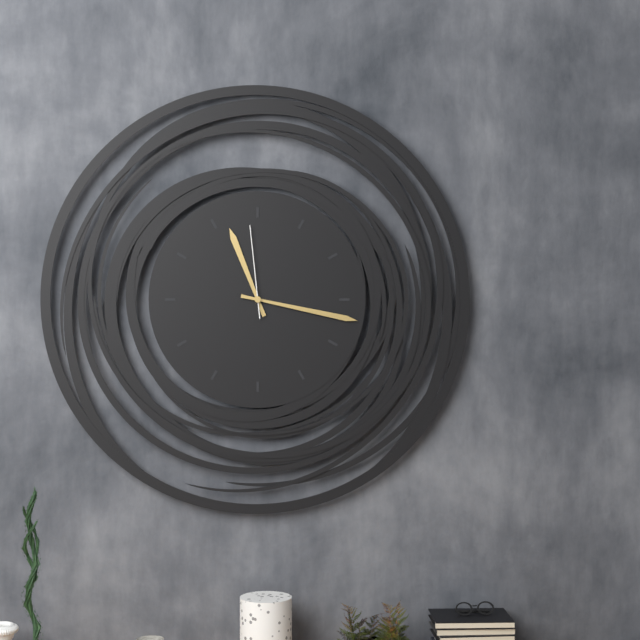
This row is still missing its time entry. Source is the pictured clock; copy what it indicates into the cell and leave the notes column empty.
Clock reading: 11:17:59
